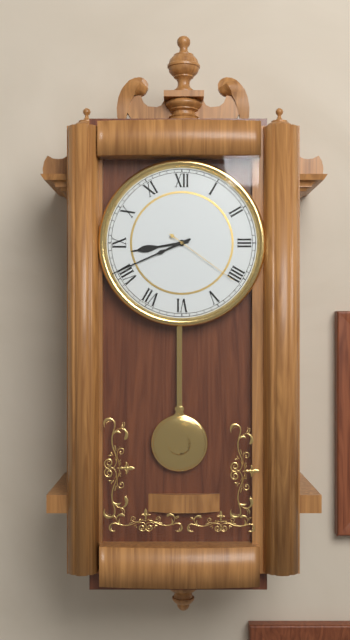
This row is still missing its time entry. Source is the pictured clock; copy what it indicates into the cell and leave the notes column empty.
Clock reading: 8:41:21
